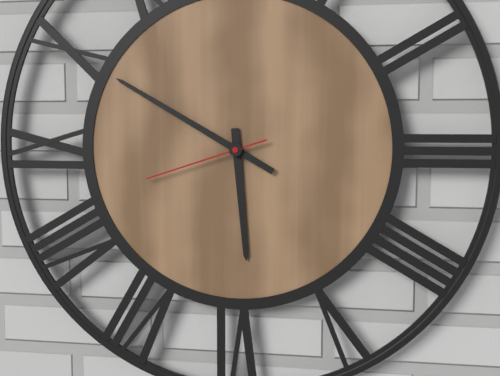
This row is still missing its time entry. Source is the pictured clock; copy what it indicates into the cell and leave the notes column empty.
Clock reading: 5:50:42
